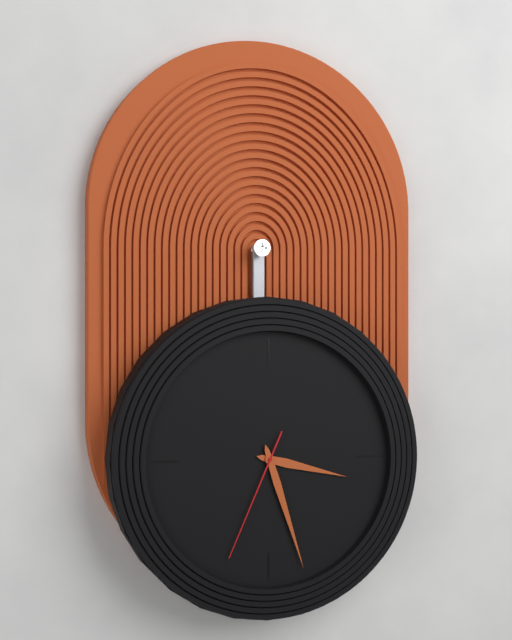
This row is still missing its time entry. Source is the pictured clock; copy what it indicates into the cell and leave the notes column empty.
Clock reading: 3:27:34
